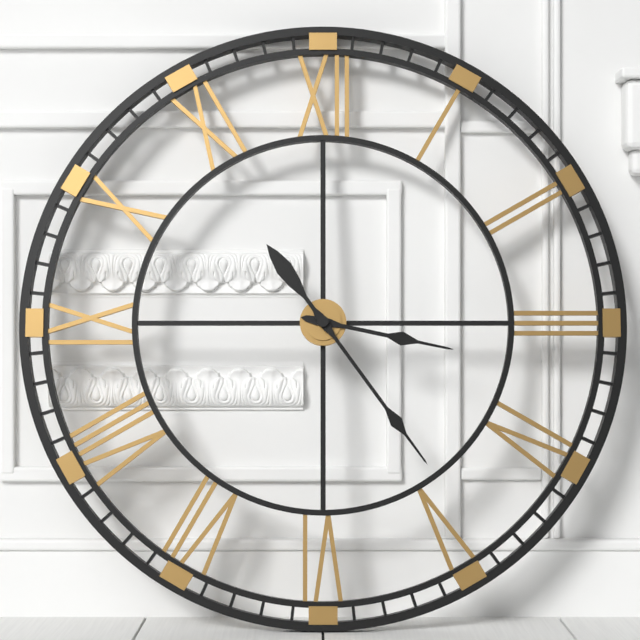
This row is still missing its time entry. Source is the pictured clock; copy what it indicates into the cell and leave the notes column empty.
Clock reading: 3:24
